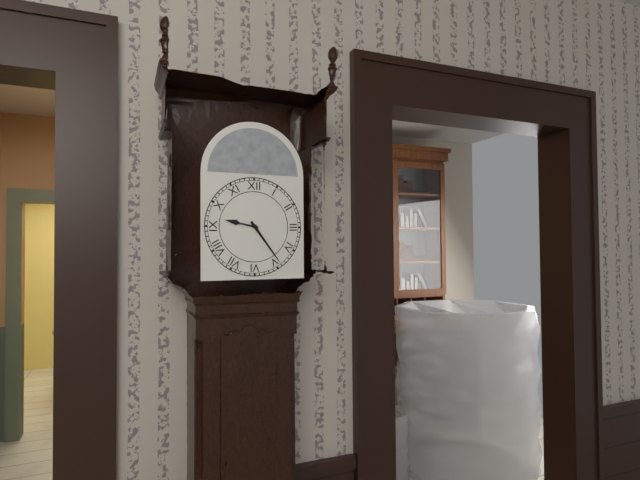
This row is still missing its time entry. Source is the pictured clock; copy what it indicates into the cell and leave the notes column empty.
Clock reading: 9:24
